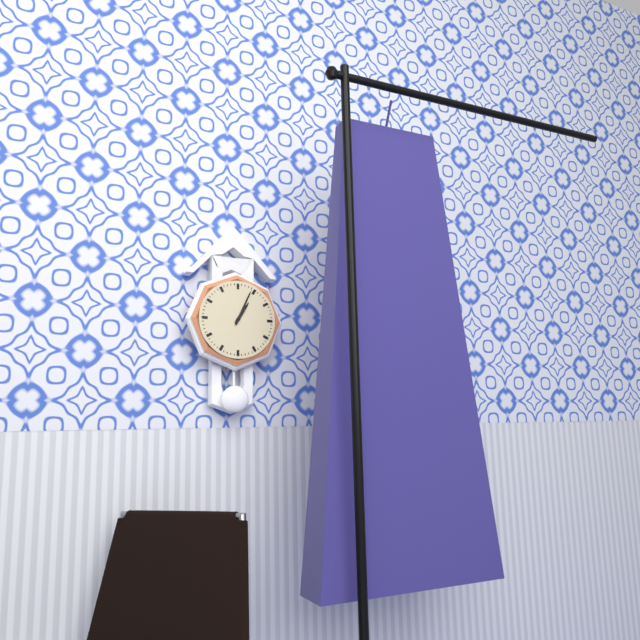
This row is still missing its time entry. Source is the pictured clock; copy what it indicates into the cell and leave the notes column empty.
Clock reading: 1:04
